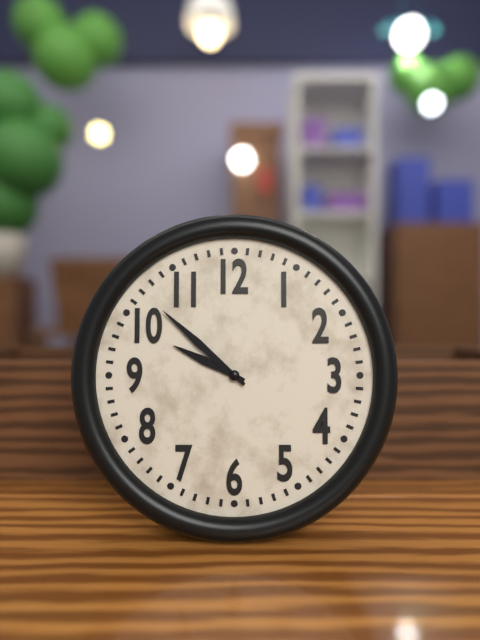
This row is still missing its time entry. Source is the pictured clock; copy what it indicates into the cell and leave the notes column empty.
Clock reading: 9:52
